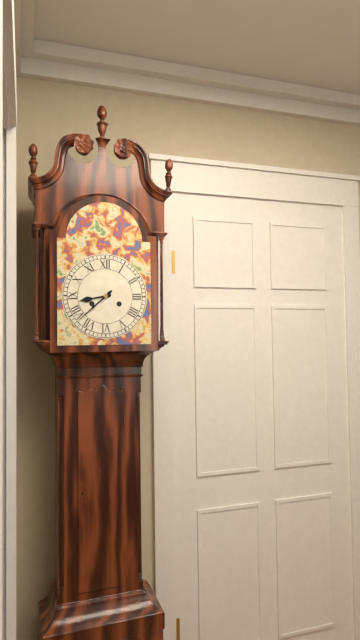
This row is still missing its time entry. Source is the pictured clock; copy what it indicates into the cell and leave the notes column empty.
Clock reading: 8:38
